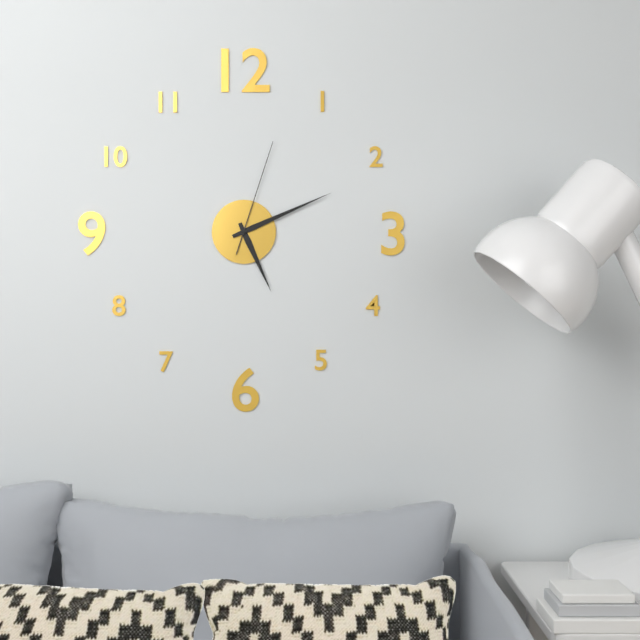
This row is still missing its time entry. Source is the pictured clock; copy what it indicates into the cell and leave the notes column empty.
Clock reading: 5:11:03
